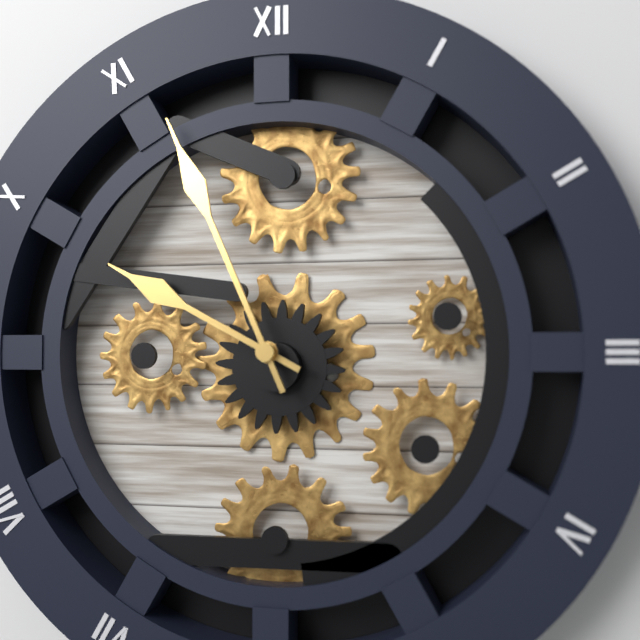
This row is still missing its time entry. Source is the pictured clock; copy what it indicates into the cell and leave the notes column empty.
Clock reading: 9:56
